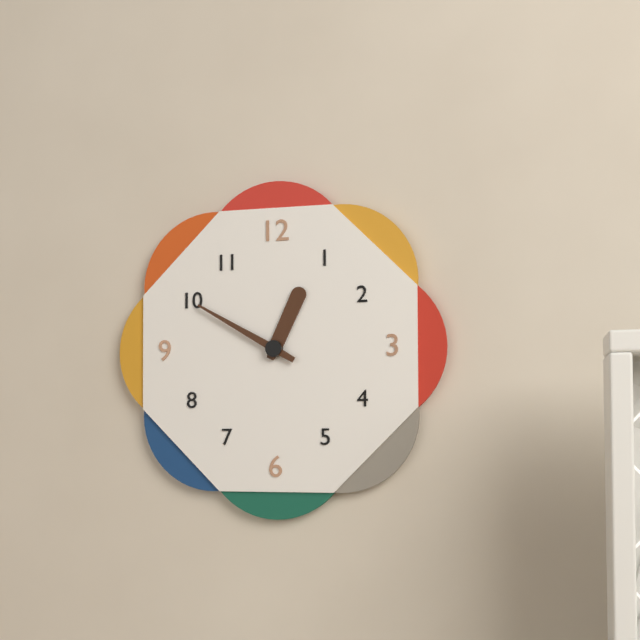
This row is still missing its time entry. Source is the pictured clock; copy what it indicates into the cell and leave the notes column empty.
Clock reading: 12:50
